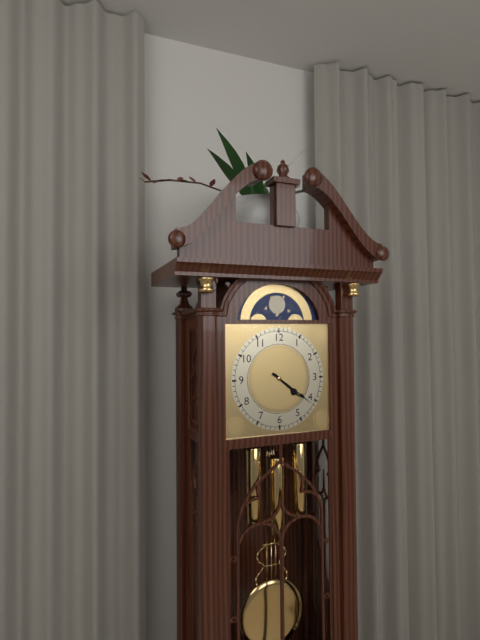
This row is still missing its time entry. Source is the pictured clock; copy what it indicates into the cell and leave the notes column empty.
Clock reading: 4:21
